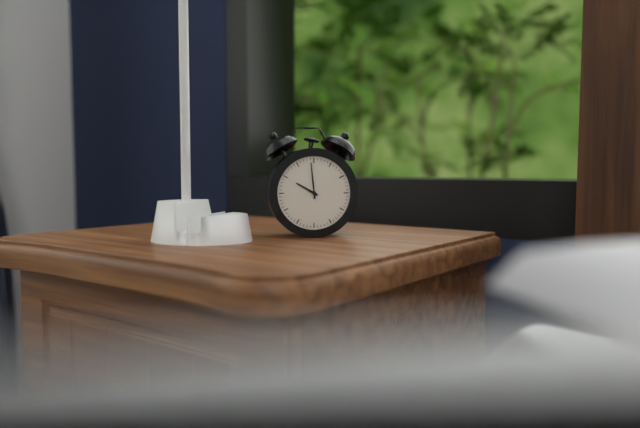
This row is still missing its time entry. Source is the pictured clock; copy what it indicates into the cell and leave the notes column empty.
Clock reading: 9:59
